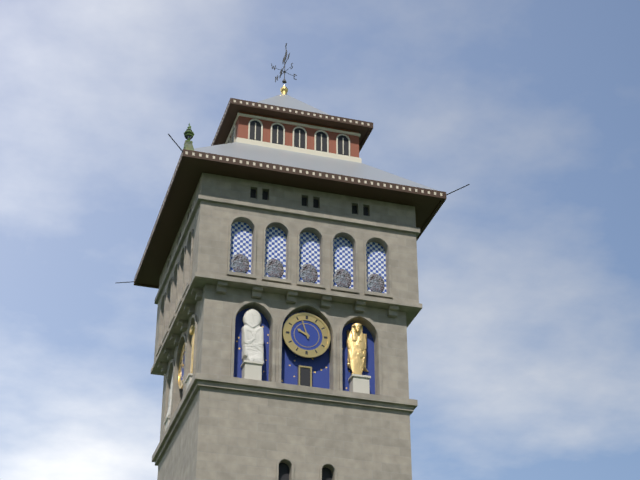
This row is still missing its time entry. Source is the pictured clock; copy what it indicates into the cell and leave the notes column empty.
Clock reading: 9:57
